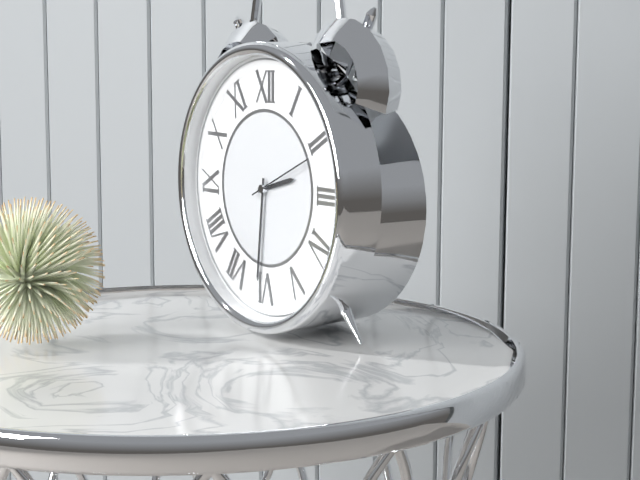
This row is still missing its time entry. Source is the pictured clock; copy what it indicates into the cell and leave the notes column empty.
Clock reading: 2:31:11
